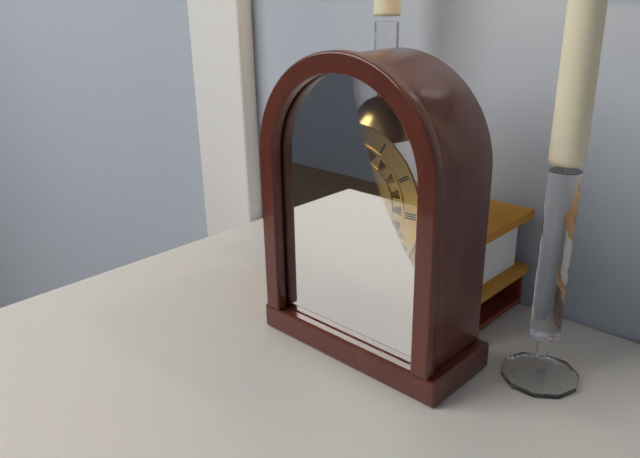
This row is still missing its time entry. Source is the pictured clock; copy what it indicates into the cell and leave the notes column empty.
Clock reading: 6:19
